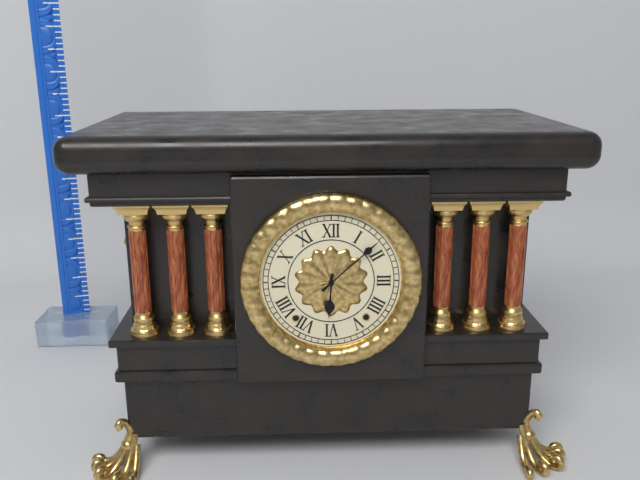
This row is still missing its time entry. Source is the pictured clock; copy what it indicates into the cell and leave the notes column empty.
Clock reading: 6:08
